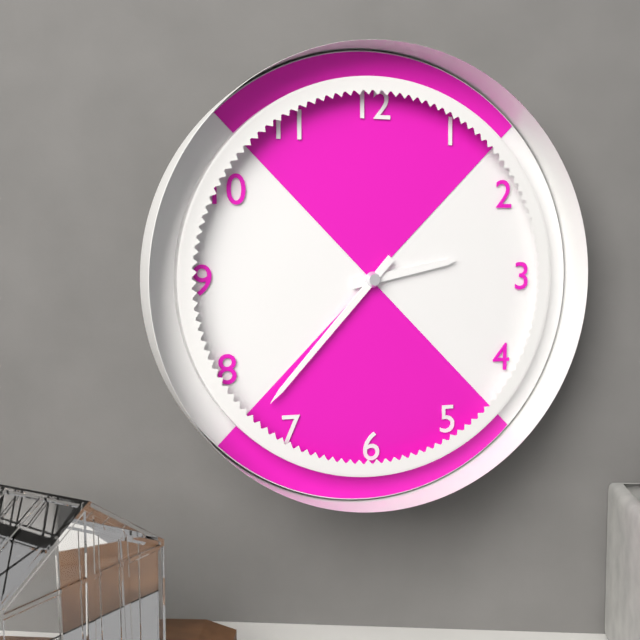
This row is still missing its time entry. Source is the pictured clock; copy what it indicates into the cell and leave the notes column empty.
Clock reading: 2:37
